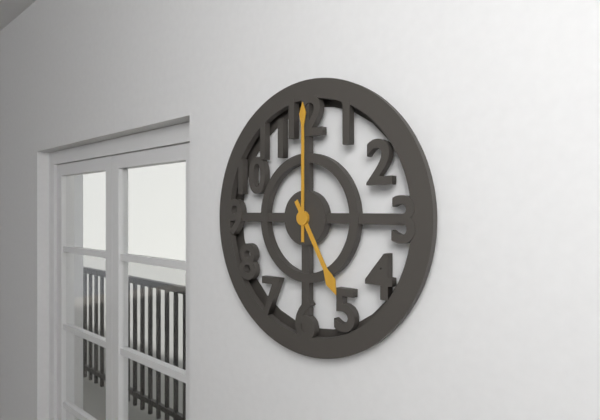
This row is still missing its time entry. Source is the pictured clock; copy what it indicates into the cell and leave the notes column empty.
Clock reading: 5:00
